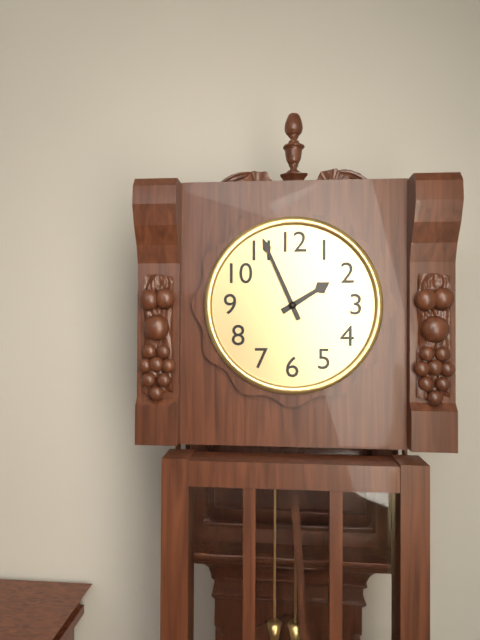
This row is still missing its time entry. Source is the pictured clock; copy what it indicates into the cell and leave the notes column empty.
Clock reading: 1:56
